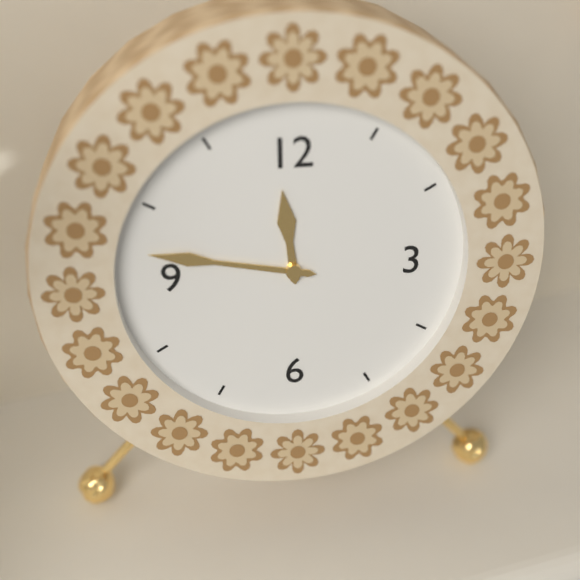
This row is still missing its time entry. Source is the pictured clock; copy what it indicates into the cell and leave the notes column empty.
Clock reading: 11:47
